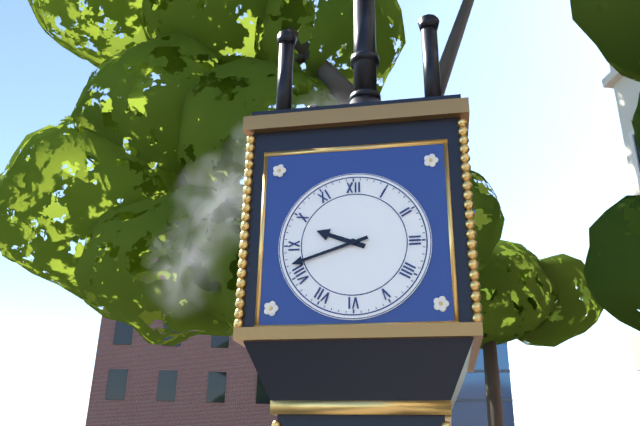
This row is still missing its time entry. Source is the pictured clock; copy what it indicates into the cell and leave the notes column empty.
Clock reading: 9:42
